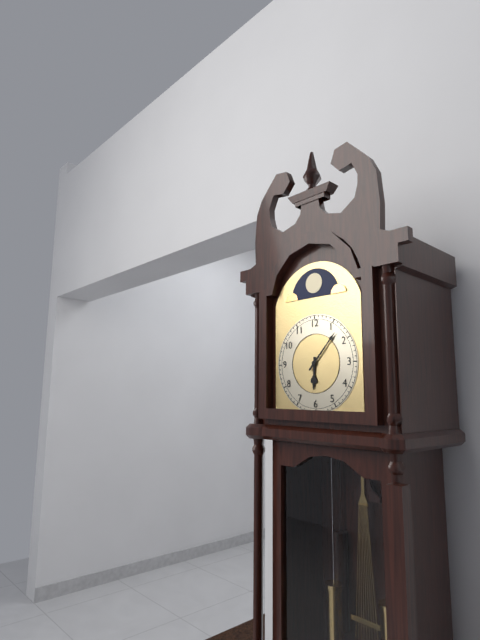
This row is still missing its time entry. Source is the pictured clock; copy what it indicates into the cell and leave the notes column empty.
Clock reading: 6:07
